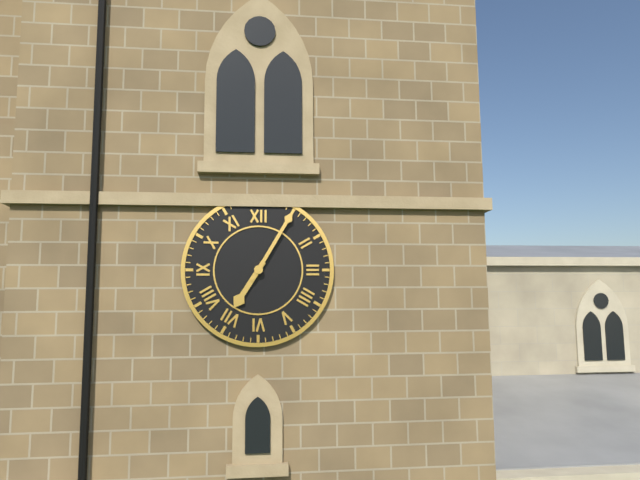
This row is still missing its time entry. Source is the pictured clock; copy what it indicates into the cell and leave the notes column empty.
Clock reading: 7:05
